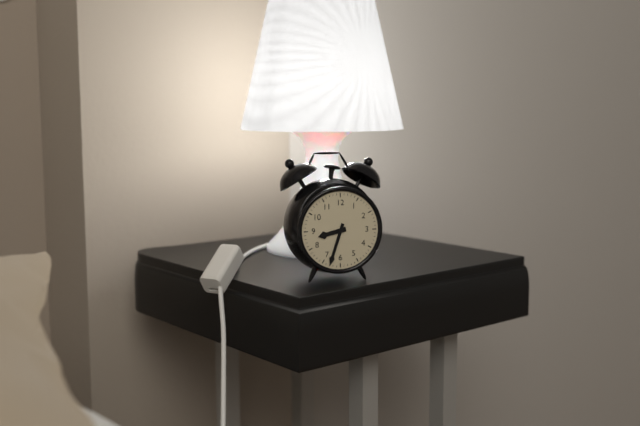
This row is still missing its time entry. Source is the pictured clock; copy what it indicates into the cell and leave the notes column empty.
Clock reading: 8:33
